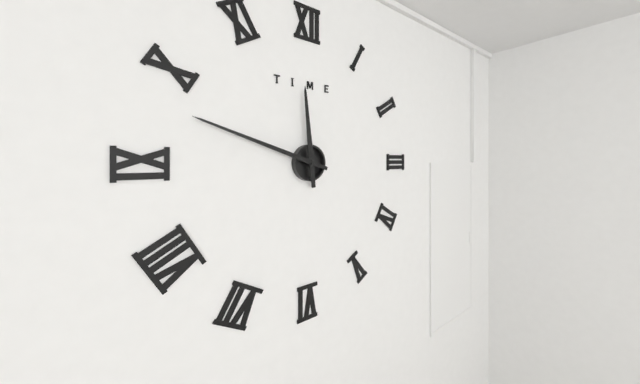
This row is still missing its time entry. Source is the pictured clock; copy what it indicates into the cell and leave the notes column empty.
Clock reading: 11:48
